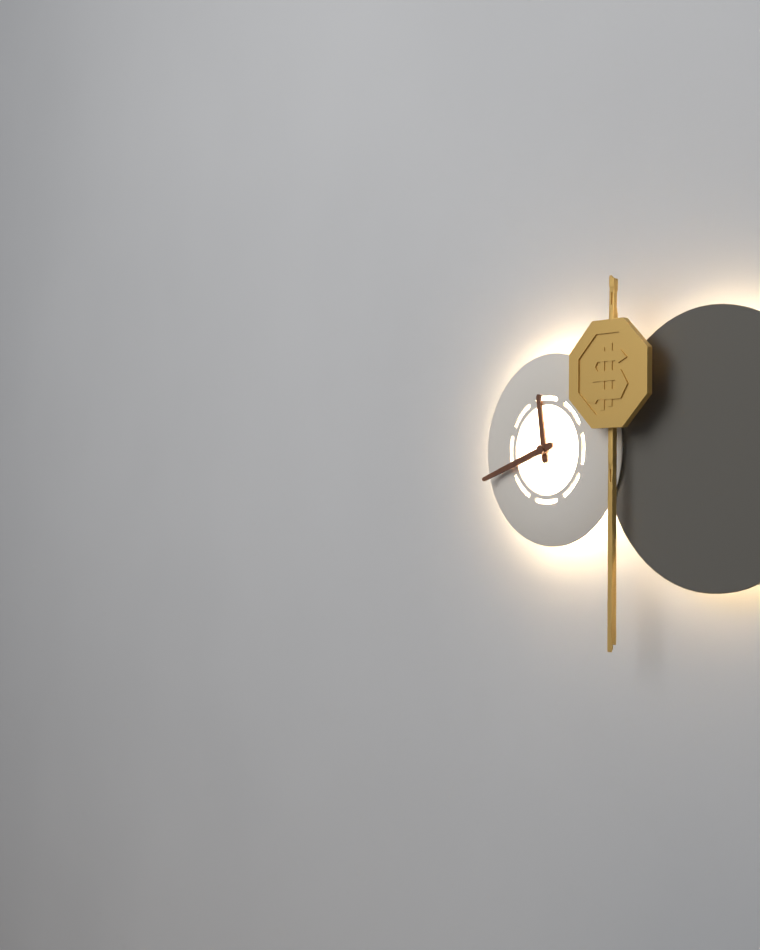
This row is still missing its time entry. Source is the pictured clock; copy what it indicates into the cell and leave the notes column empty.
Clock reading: 11:42
